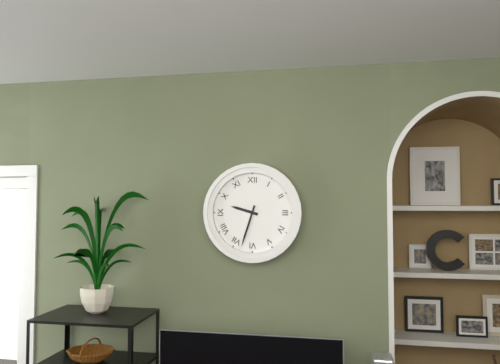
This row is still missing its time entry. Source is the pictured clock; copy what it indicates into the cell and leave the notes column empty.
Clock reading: 9:33
